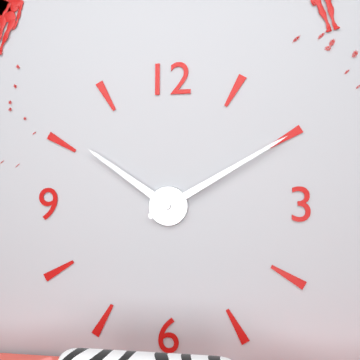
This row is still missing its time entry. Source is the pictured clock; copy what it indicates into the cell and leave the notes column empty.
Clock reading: 10:10
